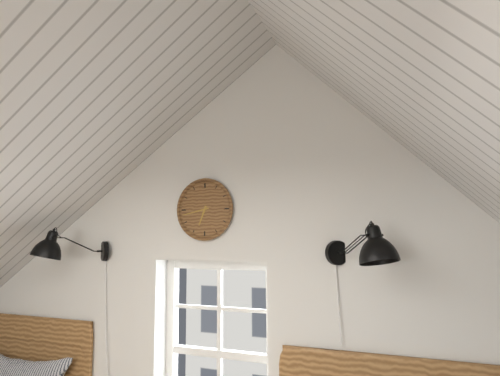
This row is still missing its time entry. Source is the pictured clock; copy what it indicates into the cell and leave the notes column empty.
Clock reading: 6:43
